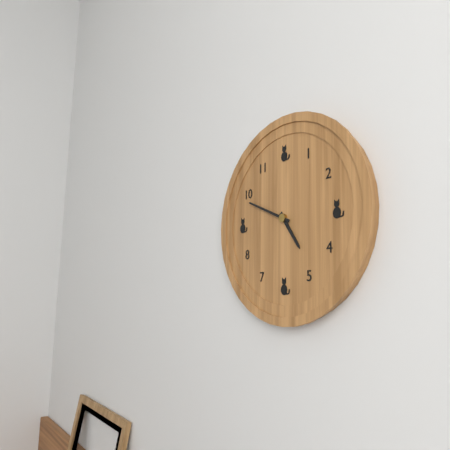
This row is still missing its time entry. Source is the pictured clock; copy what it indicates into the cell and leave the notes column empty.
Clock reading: 4:49
